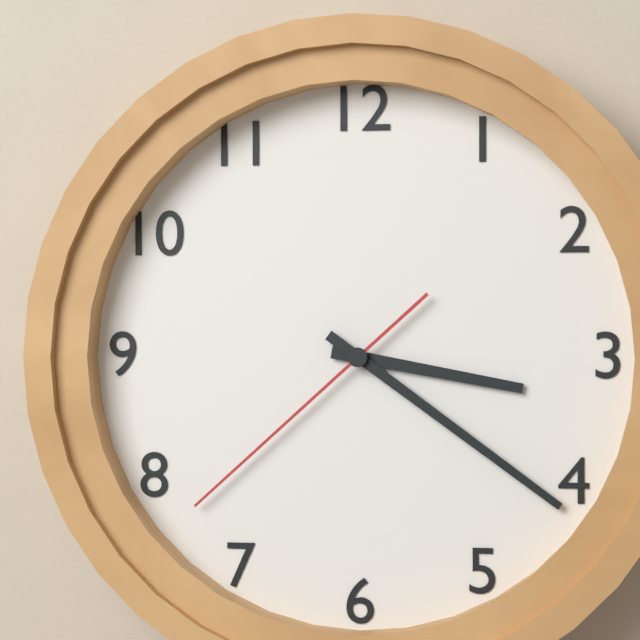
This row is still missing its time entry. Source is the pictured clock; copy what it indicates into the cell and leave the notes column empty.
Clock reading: 3:21:38
